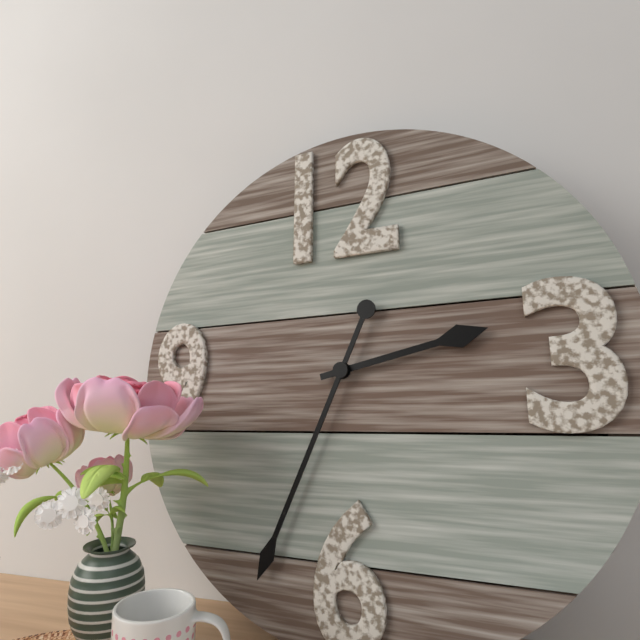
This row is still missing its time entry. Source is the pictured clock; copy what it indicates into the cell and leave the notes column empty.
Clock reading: 2:34
